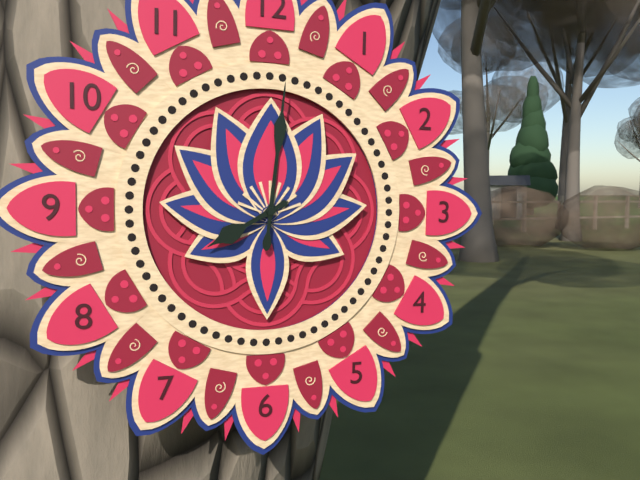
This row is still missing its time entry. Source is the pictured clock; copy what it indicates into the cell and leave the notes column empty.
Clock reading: 8:01
